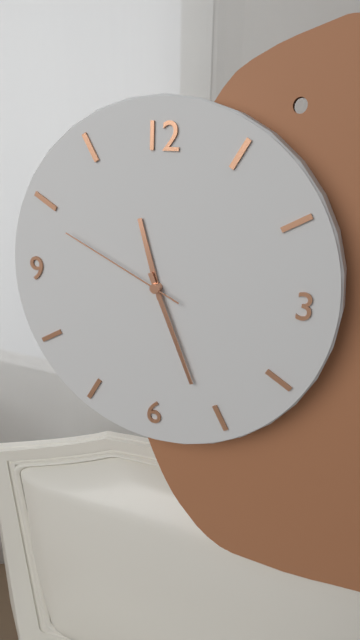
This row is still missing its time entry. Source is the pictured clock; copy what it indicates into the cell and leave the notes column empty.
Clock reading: 11:26:49
